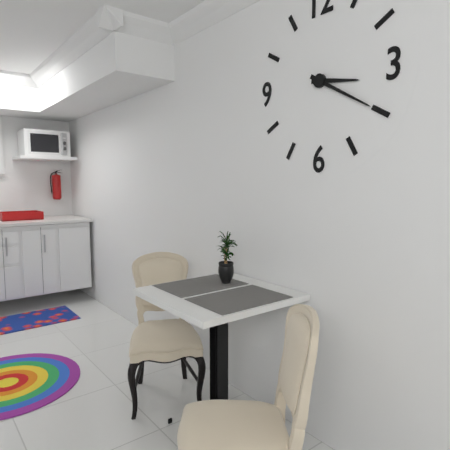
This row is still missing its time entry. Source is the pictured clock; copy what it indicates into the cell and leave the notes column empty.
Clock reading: 3:20
